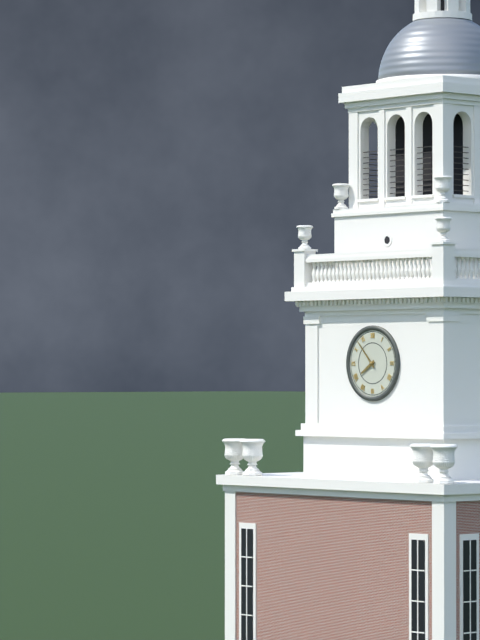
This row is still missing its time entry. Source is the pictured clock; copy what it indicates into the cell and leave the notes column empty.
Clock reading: 7:53
